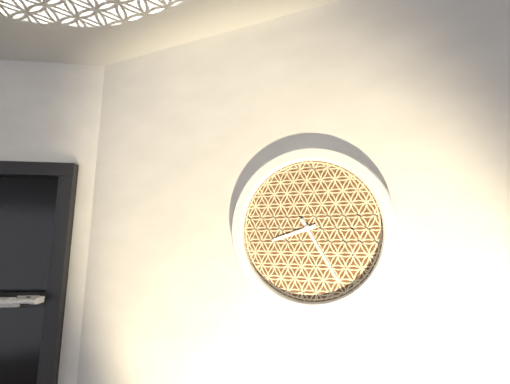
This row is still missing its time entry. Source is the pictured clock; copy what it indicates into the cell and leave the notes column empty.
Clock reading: 8:25
